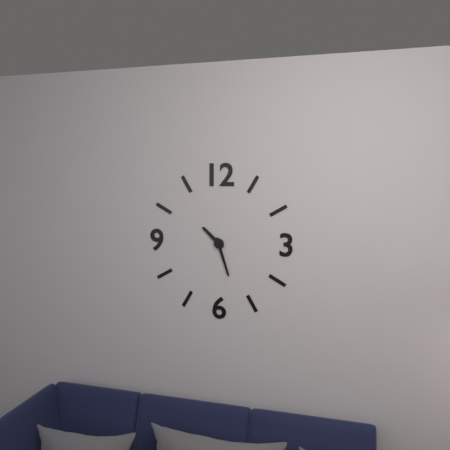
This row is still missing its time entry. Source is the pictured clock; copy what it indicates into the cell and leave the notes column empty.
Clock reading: 10:27
